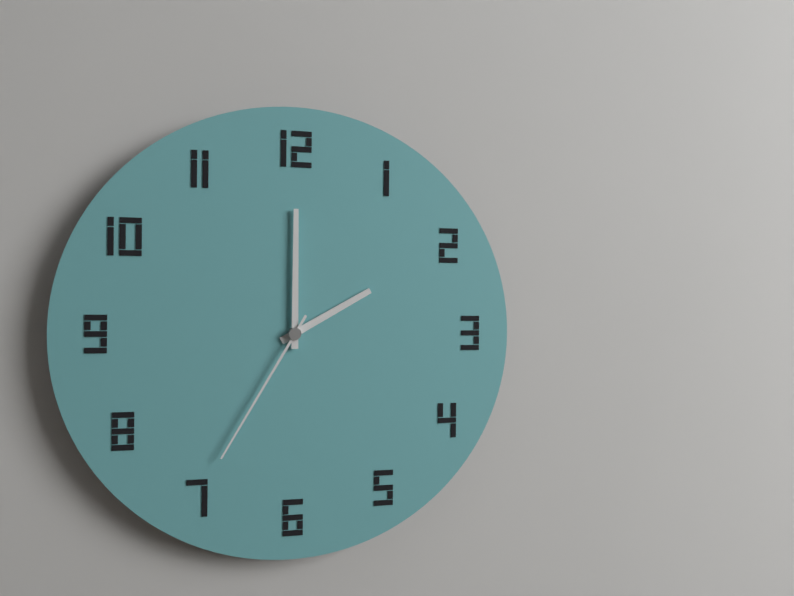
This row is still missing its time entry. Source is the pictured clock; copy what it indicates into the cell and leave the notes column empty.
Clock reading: 2:00:35
